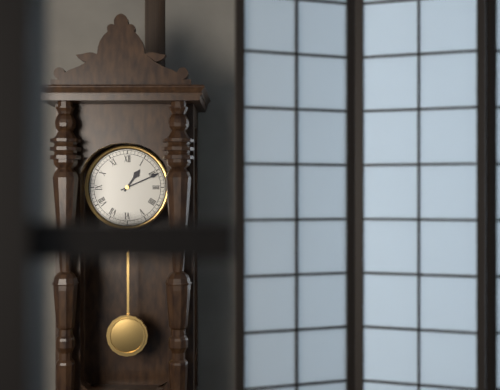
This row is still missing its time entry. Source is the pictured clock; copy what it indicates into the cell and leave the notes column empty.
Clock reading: 1:11
